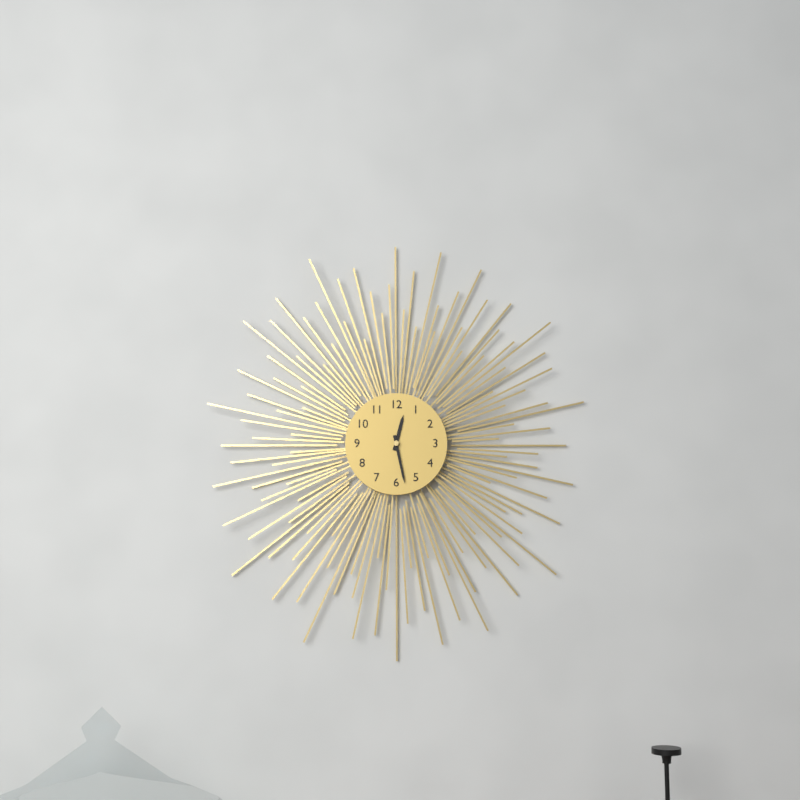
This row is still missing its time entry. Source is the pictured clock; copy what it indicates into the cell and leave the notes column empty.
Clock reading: 12:28
